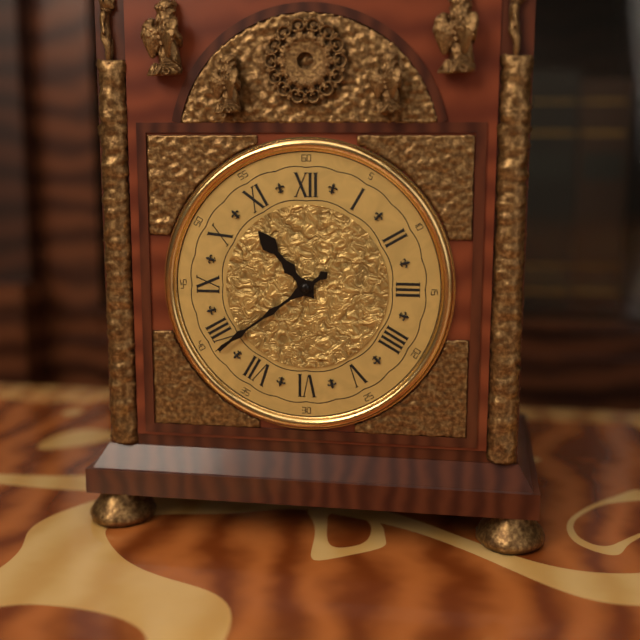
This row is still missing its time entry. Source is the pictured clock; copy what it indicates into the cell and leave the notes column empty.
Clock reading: 10:39
